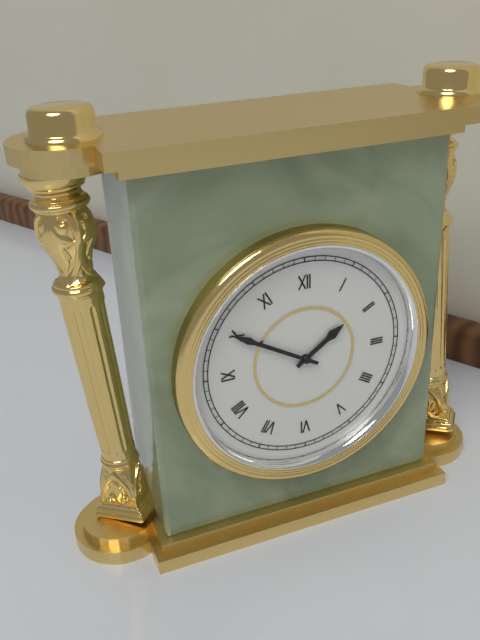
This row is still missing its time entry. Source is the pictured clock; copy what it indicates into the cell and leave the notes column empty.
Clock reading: 1:50
